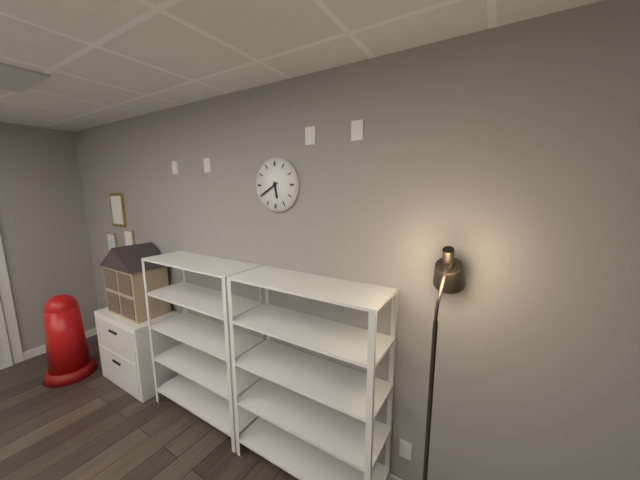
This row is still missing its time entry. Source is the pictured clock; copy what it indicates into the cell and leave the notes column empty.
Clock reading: 5:40
